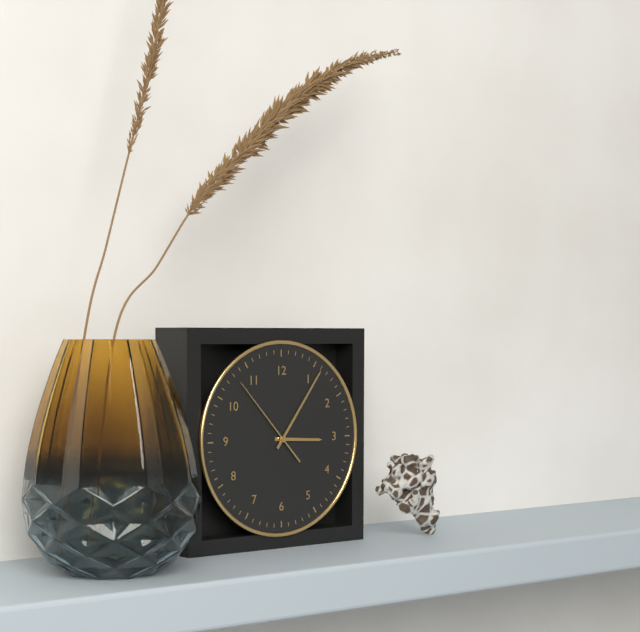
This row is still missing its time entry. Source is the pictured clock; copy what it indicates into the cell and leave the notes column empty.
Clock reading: 3:06:53
